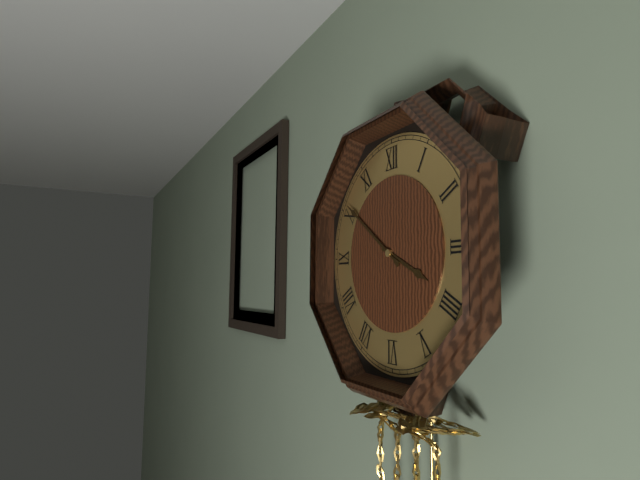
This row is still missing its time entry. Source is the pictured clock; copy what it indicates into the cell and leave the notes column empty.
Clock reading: 3:51
